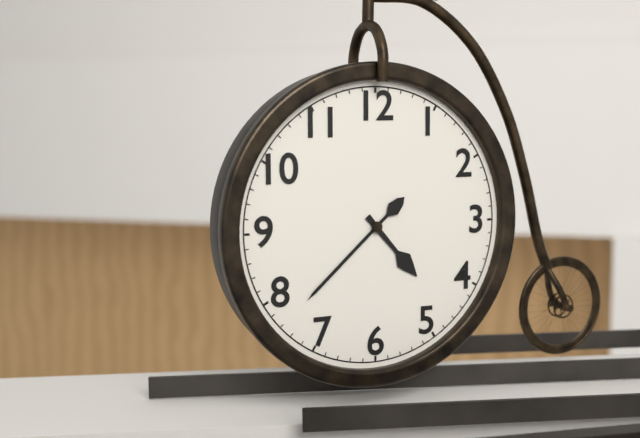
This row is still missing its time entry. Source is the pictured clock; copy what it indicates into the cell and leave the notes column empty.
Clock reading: 4:38
